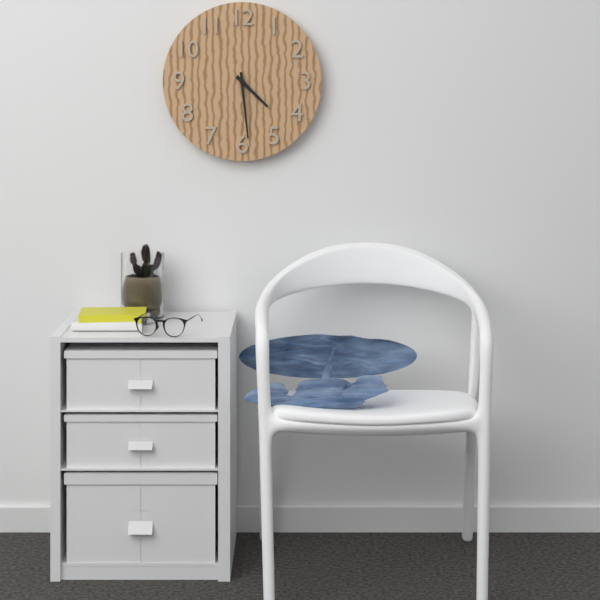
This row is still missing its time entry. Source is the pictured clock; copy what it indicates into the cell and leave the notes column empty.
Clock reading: 4:29
